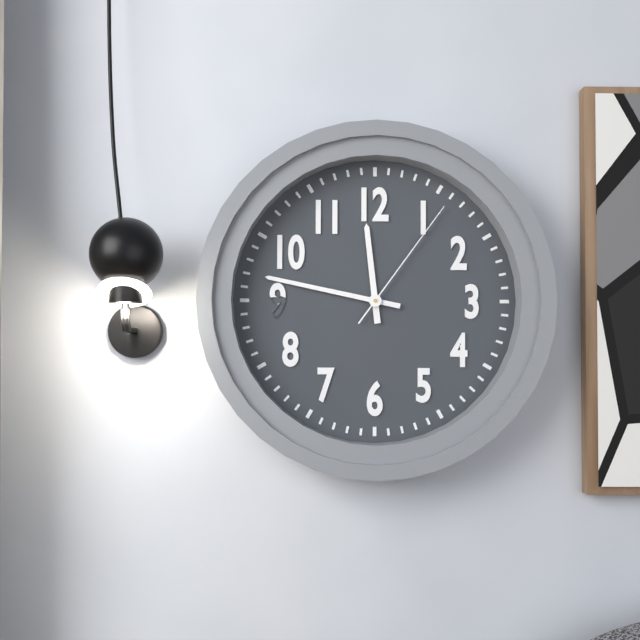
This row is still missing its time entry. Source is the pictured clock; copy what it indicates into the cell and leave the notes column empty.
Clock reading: 11:47:06
